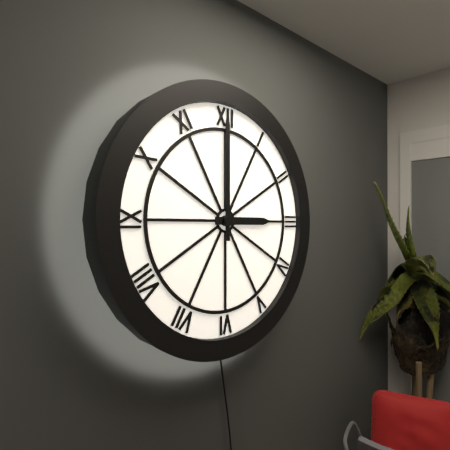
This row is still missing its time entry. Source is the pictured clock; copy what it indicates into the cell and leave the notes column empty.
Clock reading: 3:00
